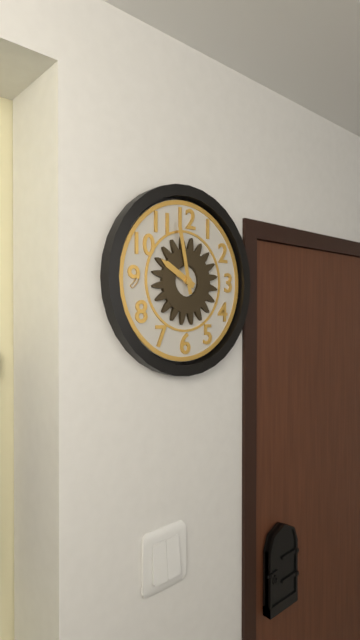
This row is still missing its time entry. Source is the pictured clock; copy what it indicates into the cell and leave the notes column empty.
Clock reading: 9:58
